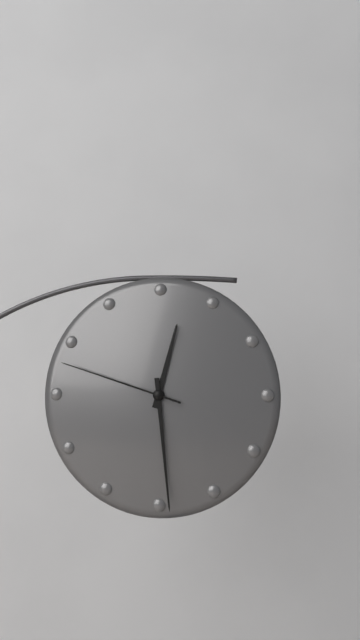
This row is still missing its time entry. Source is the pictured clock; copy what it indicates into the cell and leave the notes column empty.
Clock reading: 12:29:48
